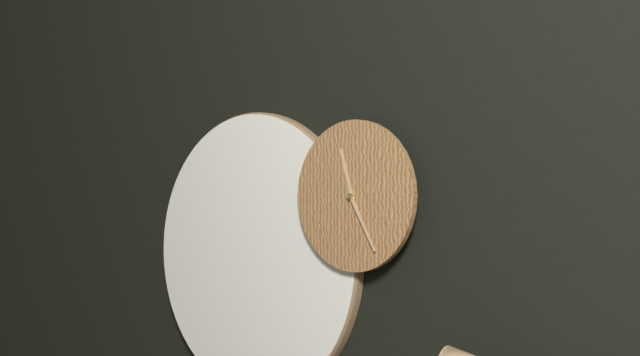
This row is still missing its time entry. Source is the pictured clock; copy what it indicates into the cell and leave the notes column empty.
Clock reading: 11:25
